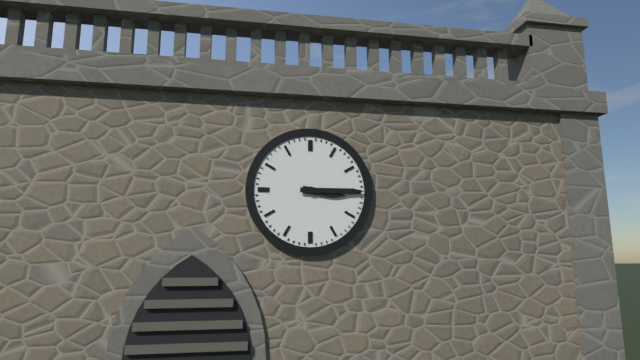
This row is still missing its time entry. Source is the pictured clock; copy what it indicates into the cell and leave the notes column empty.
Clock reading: 3:15
